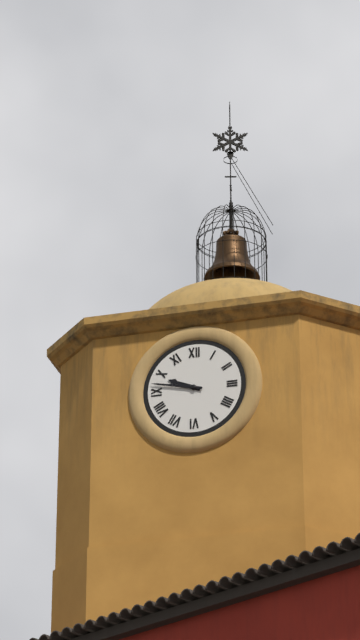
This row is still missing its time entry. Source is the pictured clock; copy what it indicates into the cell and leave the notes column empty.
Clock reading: 9:47
